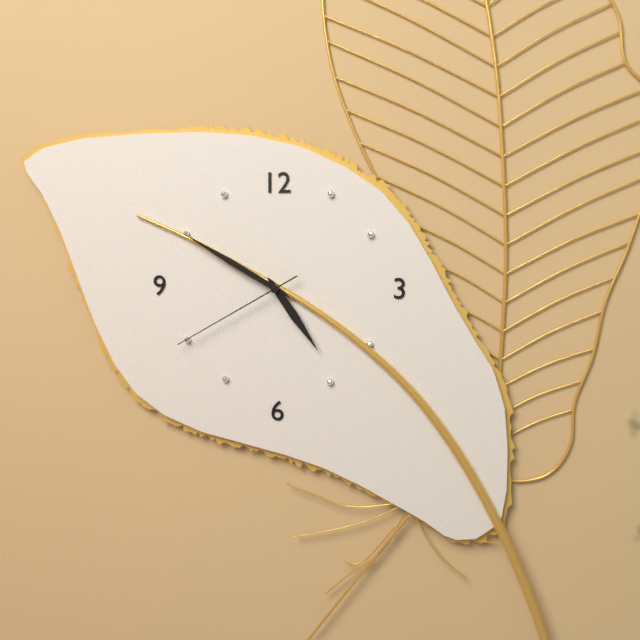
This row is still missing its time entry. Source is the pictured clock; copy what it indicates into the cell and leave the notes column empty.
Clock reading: 4:50:40
